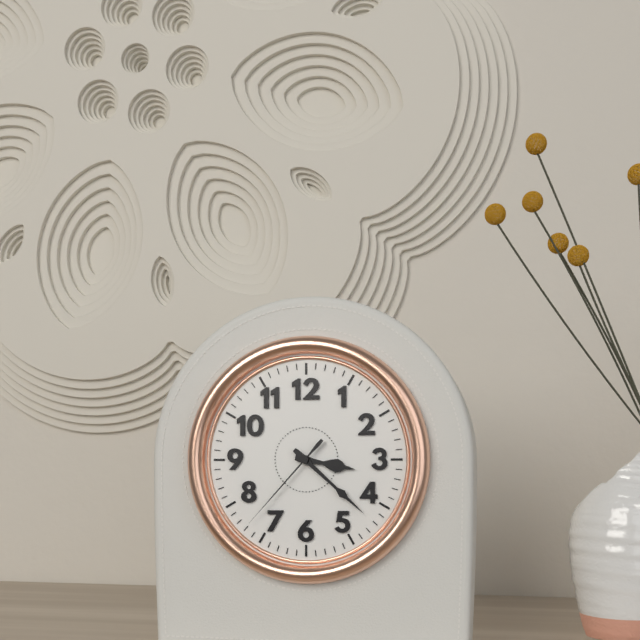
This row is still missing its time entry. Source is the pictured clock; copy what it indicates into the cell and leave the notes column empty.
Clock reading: 3:22:37
